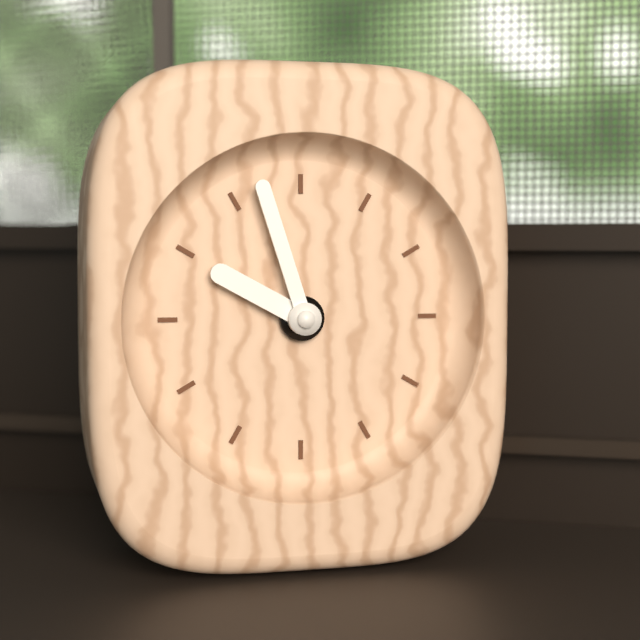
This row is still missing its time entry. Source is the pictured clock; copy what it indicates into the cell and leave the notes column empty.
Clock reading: 9:57
